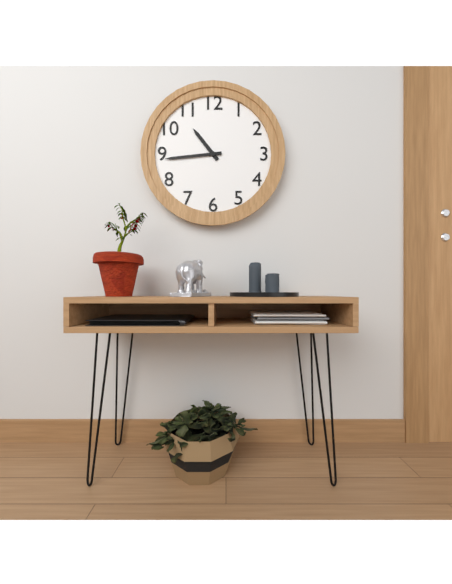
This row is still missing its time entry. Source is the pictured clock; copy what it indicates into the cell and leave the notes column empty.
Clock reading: 10:44
